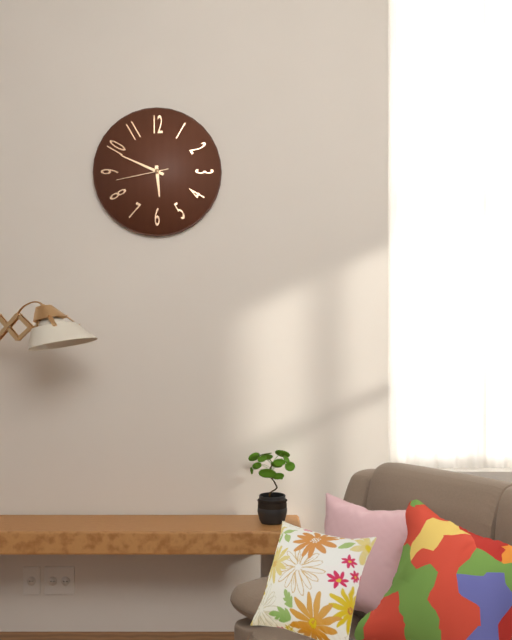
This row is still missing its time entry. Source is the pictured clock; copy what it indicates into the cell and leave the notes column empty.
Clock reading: 5:49:43
